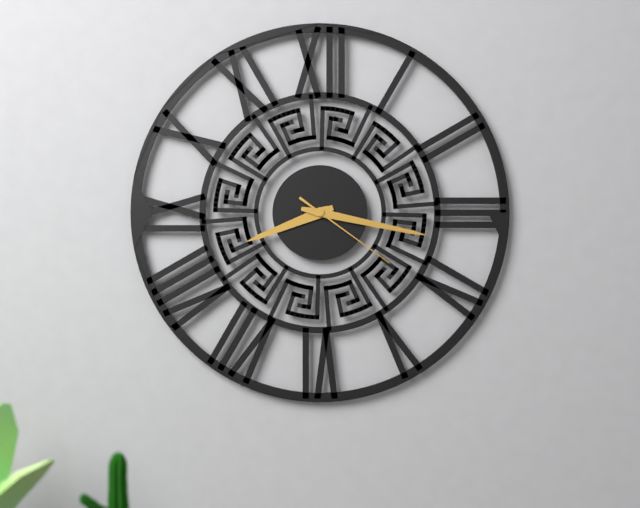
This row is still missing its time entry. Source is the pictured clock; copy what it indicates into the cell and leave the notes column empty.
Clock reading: 8:17:21
